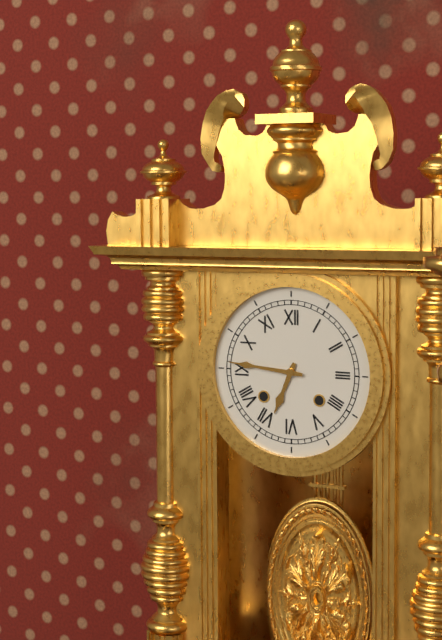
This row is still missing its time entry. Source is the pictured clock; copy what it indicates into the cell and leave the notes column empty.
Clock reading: 6:46
